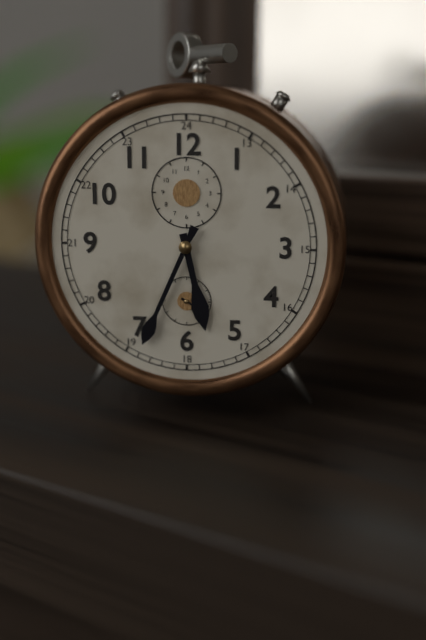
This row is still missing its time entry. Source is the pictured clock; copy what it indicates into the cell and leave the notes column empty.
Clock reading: 5:34
